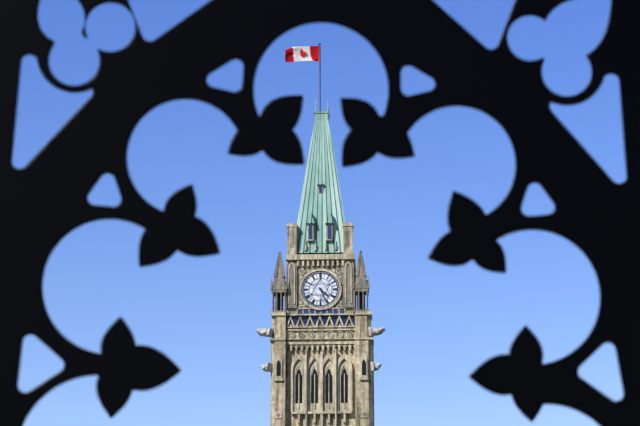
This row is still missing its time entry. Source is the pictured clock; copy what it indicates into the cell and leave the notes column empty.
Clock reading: 4:26
